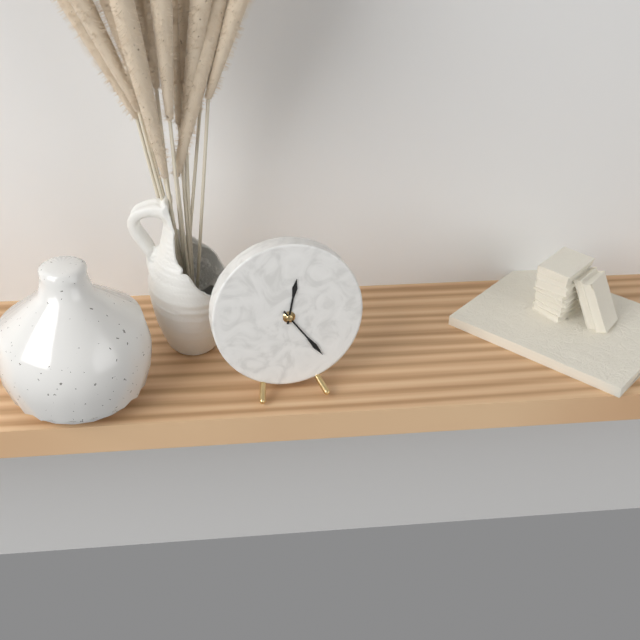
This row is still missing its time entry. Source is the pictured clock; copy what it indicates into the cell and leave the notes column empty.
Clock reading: 12:24
